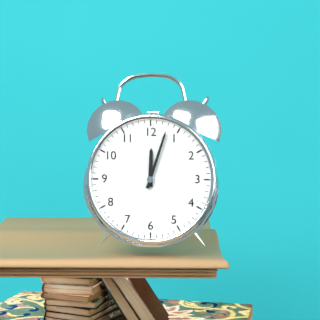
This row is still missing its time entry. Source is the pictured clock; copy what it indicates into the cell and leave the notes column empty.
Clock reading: 12:03
